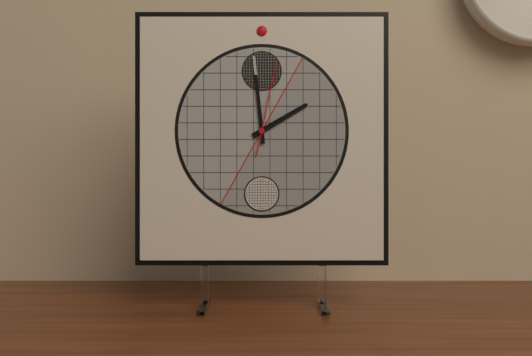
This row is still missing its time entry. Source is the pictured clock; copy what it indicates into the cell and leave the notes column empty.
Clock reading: 1:59:02
